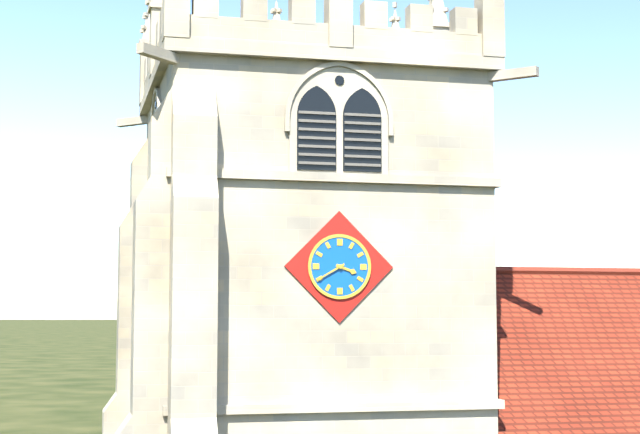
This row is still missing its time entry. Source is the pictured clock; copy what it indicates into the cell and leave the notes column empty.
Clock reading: 3:40
